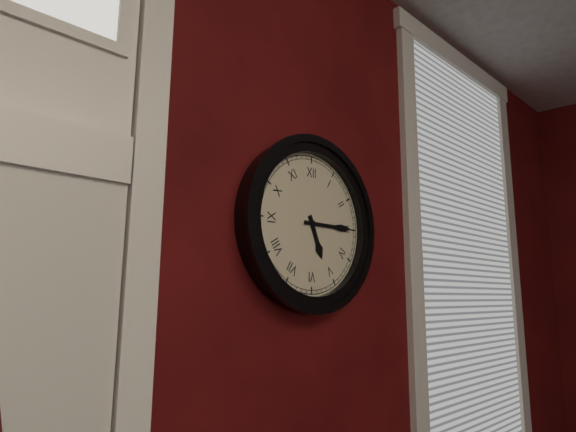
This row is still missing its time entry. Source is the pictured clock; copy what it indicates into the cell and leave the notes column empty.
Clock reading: 5:15
